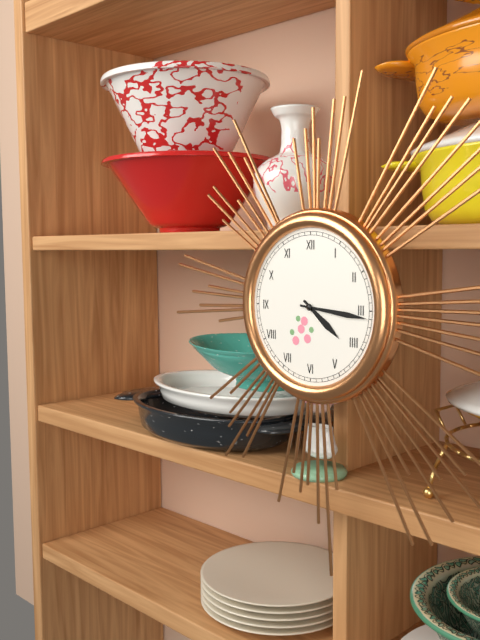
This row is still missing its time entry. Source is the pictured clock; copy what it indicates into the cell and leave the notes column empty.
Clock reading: 4:16
